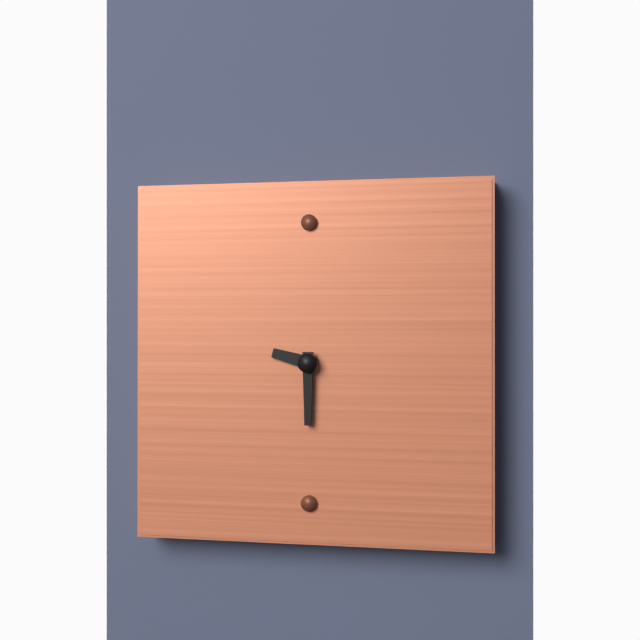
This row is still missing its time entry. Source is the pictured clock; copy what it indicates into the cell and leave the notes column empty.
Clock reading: 9:30
